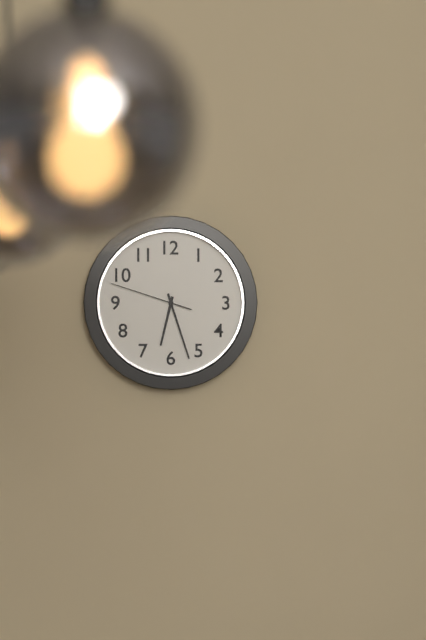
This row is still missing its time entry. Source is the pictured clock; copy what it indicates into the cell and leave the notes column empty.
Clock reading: 6:27:48
